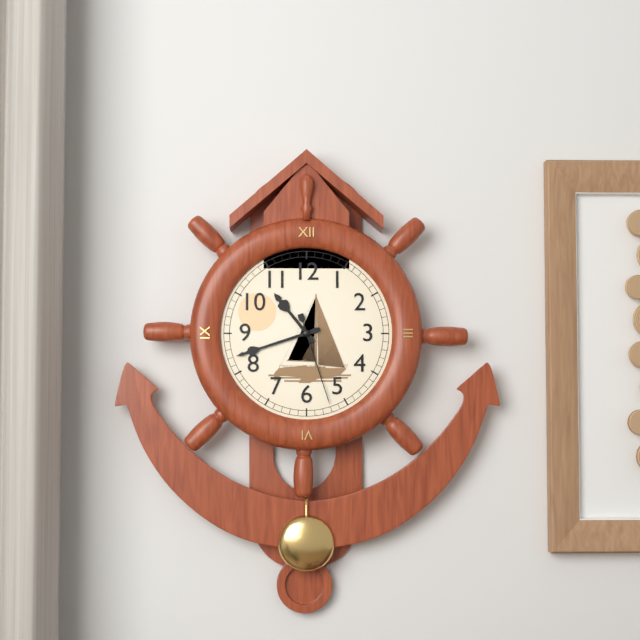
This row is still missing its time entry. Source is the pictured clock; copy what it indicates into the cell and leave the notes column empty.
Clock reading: 10:42:27
